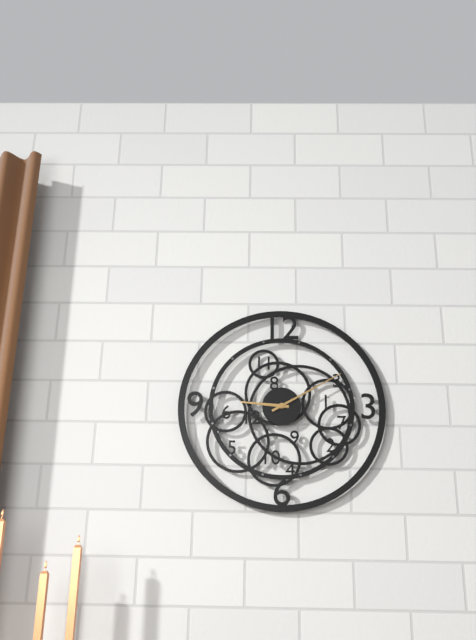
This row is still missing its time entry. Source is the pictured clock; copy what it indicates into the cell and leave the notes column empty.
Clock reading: 9:10
